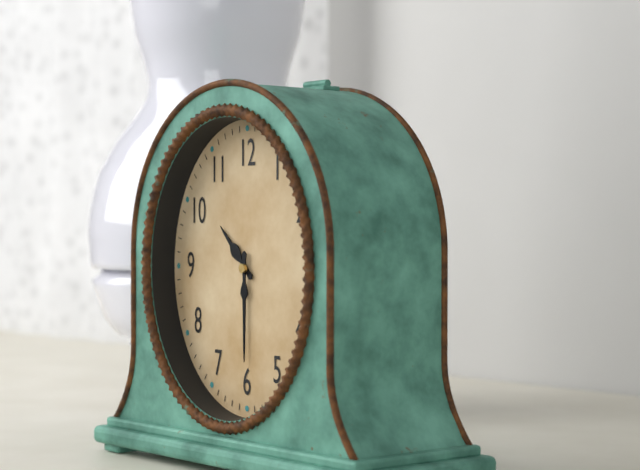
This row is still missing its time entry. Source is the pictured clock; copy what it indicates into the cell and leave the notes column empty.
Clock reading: 10:30
